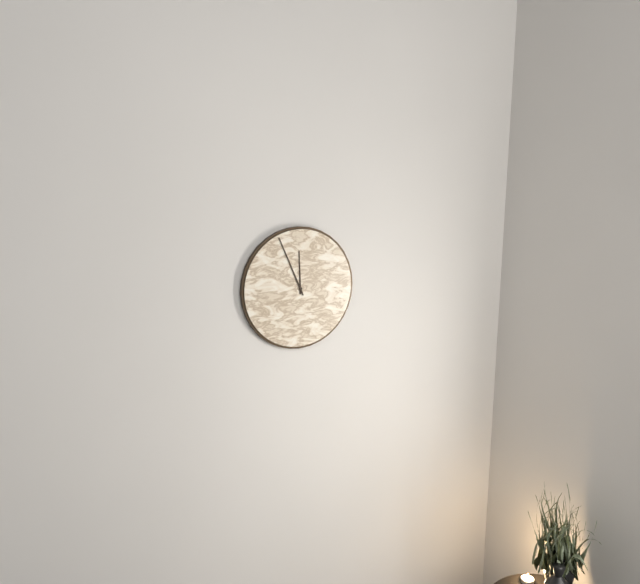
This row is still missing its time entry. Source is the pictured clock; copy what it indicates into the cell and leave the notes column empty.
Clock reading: 11:56
